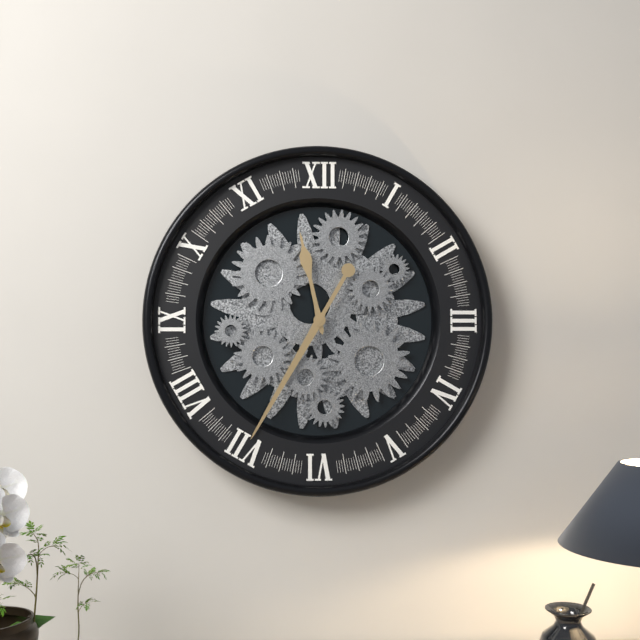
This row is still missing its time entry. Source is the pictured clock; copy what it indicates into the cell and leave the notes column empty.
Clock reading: 11:35
